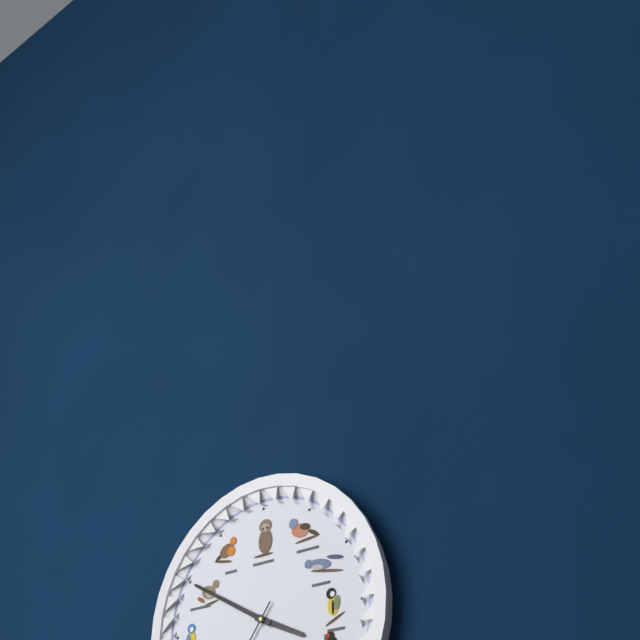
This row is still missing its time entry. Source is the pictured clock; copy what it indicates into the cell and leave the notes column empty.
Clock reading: 3:50
